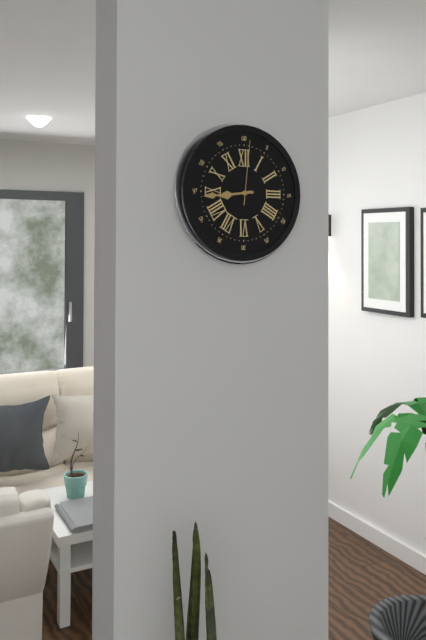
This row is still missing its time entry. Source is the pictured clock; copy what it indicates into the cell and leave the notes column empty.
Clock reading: 8:44:01
